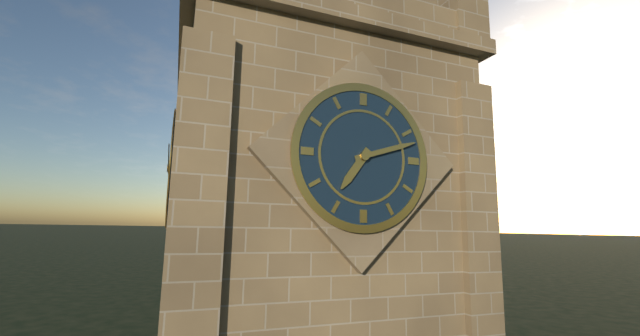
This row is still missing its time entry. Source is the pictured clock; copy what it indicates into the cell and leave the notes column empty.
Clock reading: 7:12
